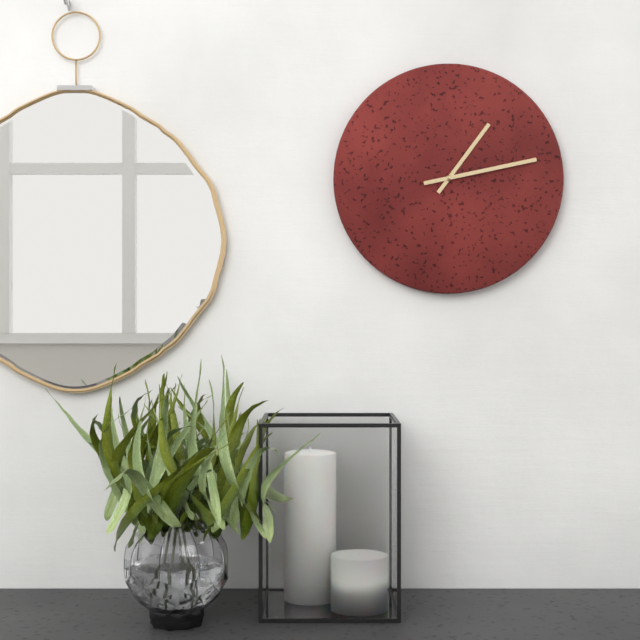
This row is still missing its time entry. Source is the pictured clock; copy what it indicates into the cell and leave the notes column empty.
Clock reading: 1:13
